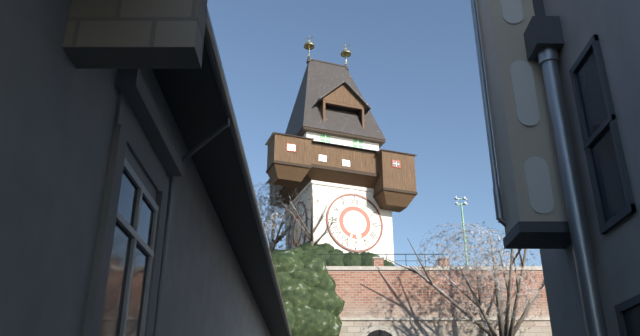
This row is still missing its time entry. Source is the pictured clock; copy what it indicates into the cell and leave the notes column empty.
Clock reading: 5:33
